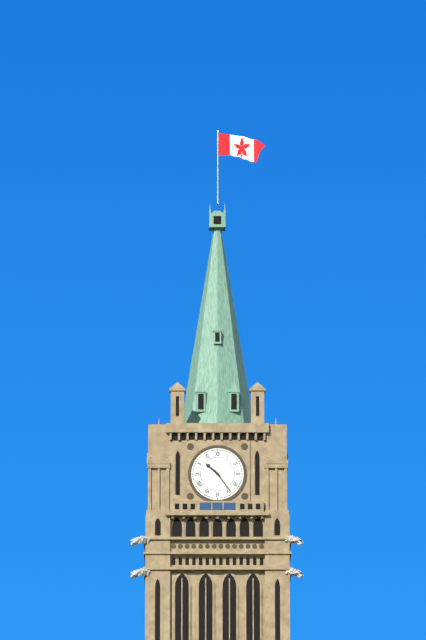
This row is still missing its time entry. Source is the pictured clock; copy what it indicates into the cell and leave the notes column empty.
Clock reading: 10:24
